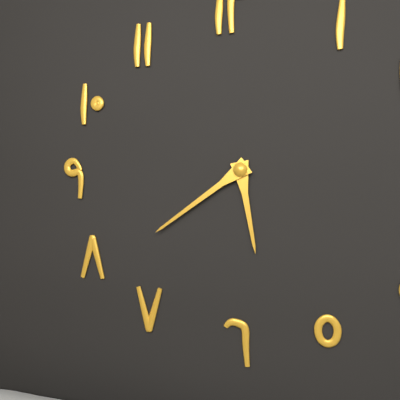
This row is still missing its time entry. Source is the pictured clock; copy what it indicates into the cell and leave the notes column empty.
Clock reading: 5:39
